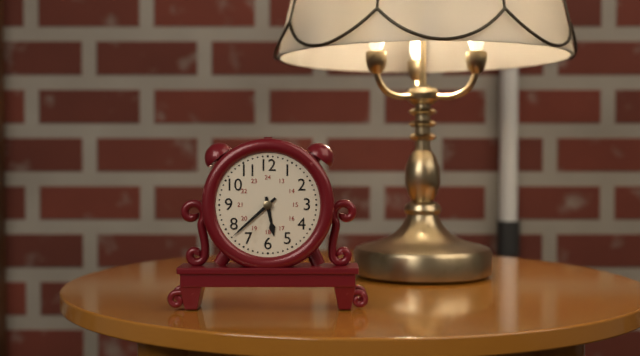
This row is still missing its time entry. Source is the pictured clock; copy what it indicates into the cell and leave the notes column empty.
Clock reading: 5:38
